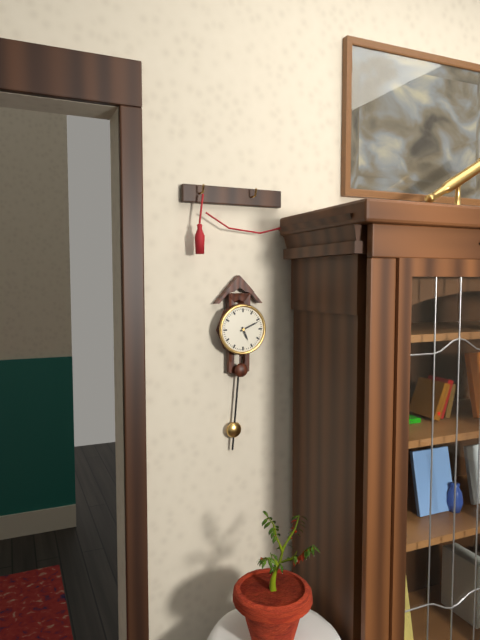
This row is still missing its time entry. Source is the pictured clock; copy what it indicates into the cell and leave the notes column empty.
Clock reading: 5:11
